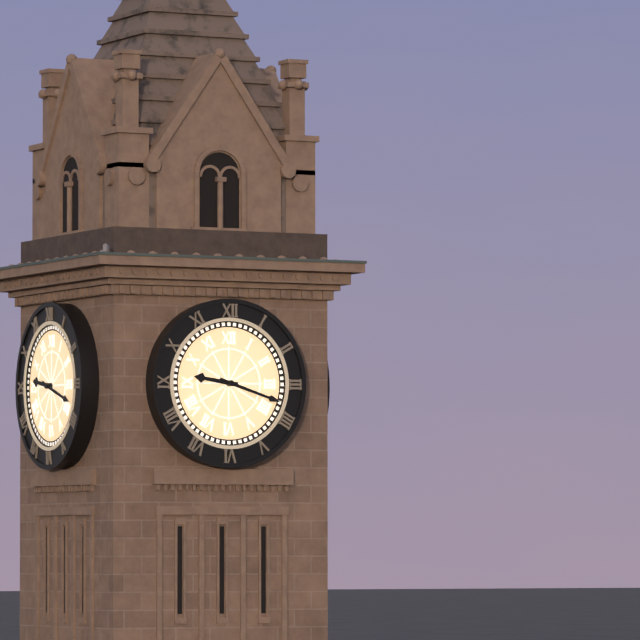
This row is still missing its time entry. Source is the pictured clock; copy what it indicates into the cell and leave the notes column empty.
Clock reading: 9:18
